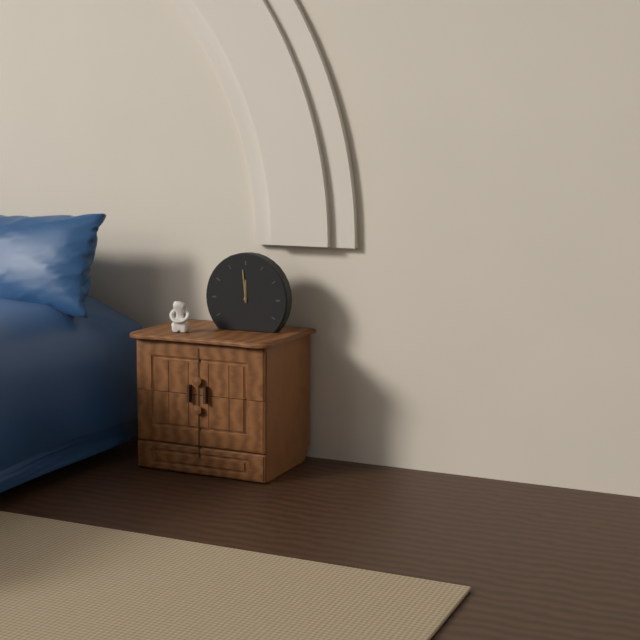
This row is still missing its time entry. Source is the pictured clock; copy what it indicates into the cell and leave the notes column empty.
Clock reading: 11:59
